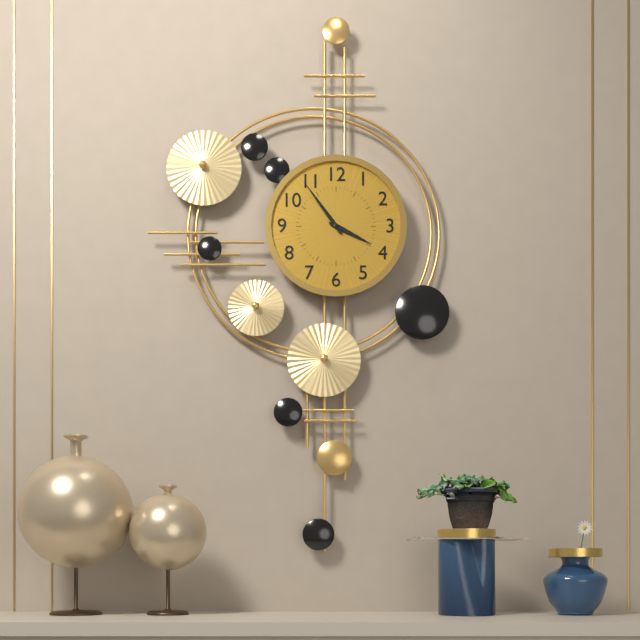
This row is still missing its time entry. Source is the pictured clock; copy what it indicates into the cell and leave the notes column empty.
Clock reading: 3:54
